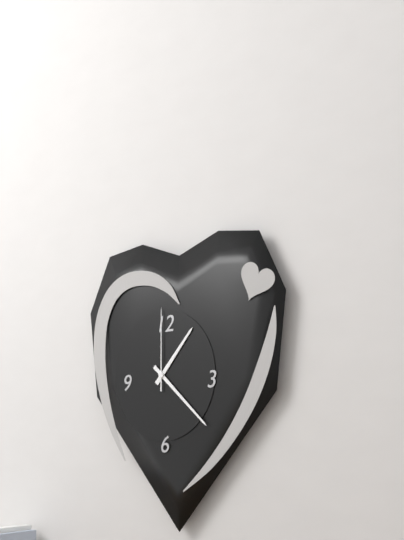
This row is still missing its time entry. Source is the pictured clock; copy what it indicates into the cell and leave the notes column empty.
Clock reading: 1:22:00
